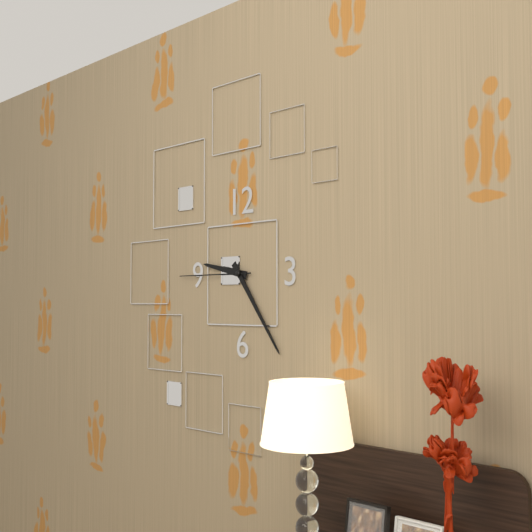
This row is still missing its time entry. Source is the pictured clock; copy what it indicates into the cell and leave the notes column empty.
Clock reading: 9:24:45
